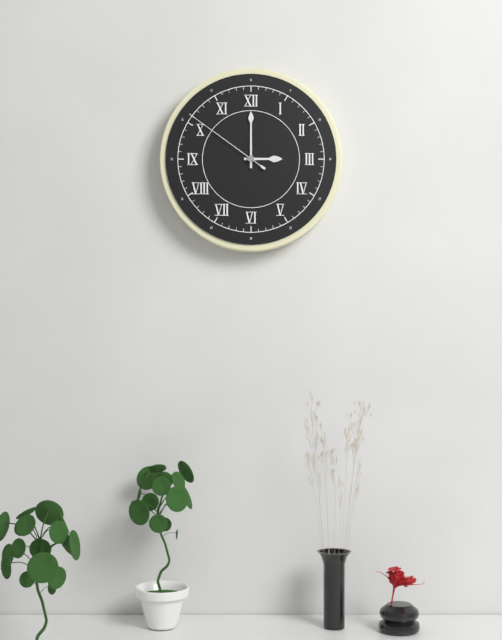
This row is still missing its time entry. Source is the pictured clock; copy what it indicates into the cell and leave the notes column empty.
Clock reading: 3:00:51
